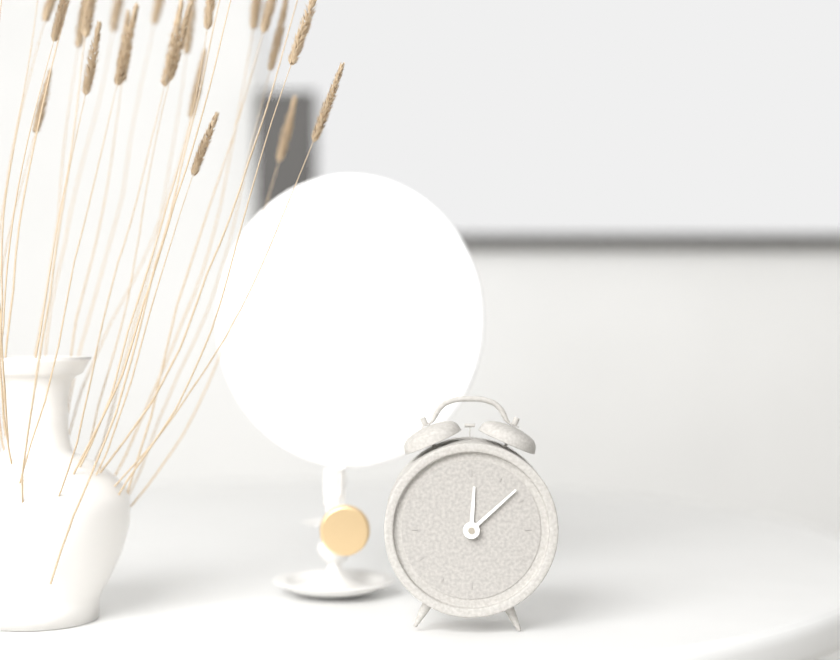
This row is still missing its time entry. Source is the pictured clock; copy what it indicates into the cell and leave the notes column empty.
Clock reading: 12:08
